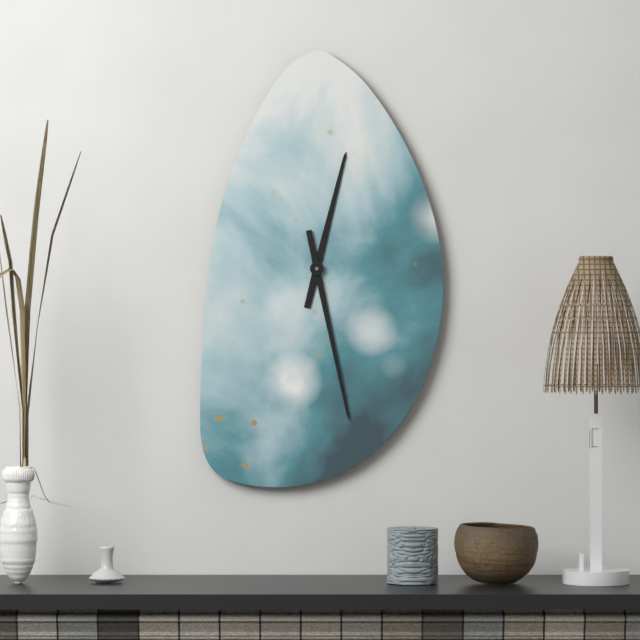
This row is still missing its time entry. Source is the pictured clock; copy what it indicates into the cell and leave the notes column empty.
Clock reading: 12:28
